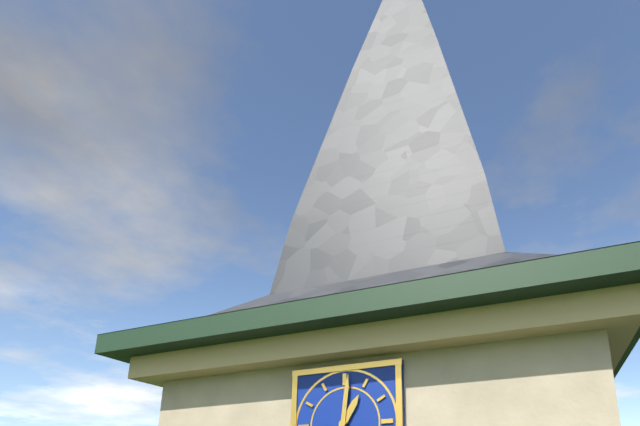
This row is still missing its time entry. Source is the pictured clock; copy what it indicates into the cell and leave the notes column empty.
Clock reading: 1:01
